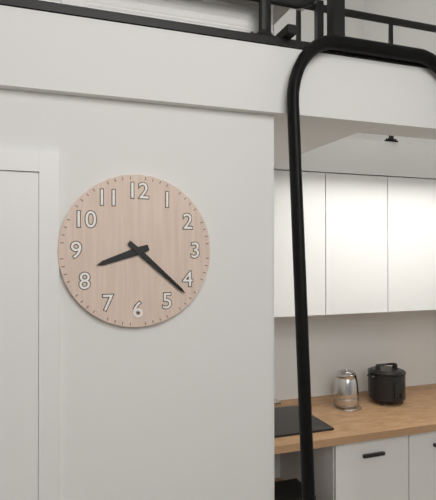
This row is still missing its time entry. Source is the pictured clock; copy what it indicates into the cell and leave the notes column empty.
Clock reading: 8:22
